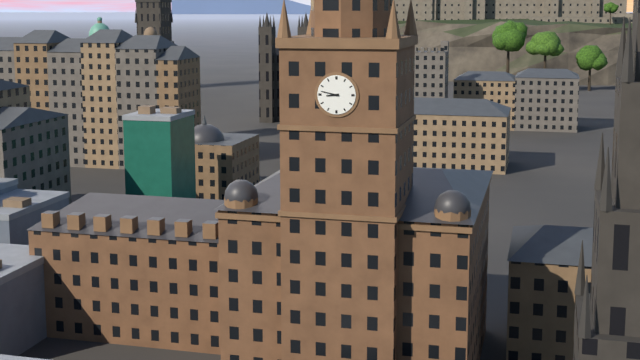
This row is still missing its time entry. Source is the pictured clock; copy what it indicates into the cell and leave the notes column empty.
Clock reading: 8:47
